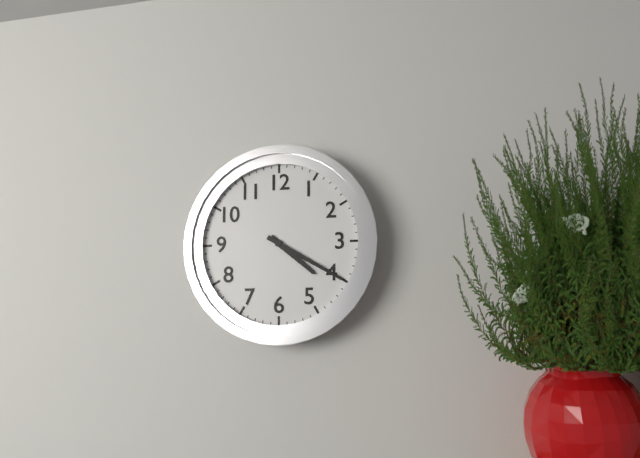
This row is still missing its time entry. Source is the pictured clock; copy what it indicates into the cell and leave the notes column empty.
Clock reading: 4:20
